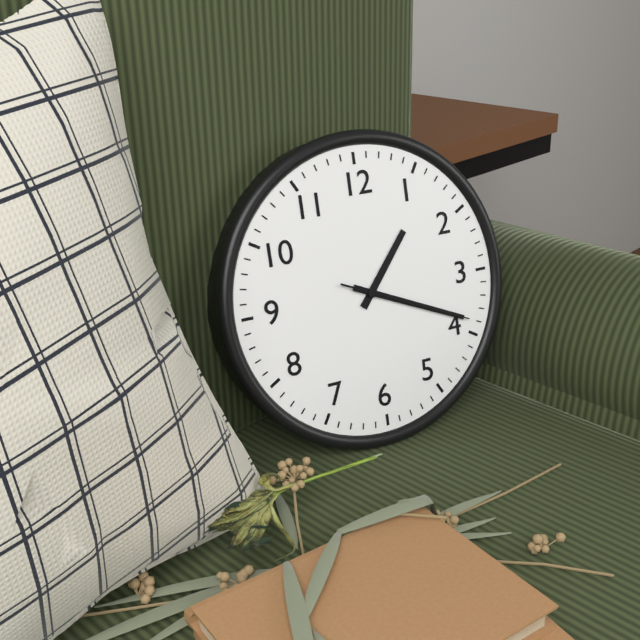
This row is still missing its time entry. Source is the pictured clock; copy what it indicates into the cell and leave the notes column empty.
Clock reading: 1:19:19
